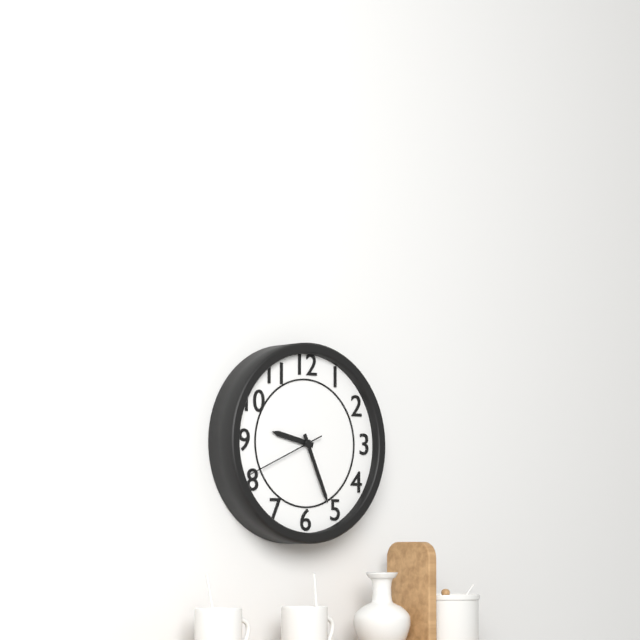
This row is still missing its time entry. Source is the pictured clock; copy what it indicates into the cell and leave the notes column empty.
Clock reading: 9:26:41
